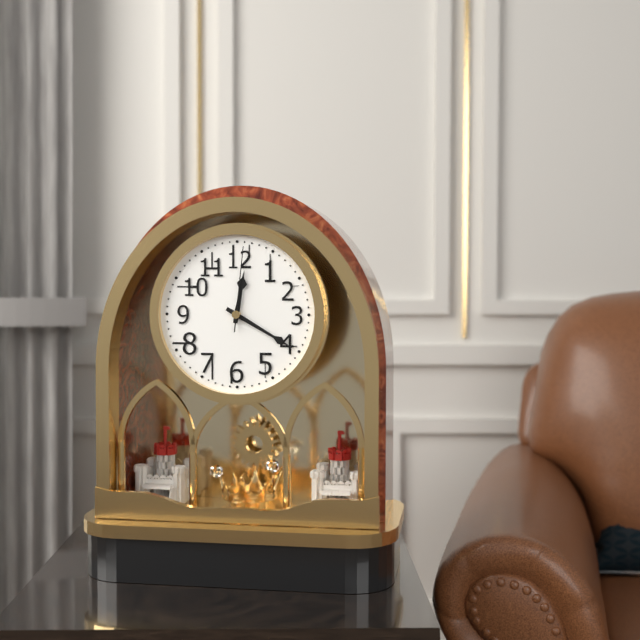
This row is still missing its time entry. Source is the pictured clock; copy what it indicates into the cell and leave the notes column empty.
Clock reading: 12:20:01
